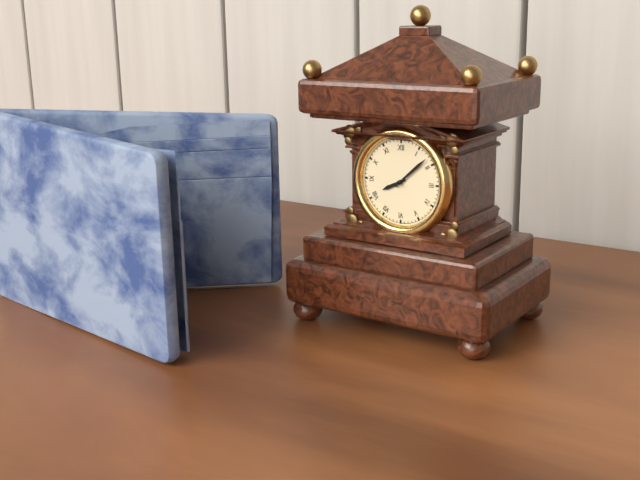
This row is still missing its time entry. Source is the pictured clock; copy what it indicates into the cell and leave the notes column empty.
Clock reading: 8:08
